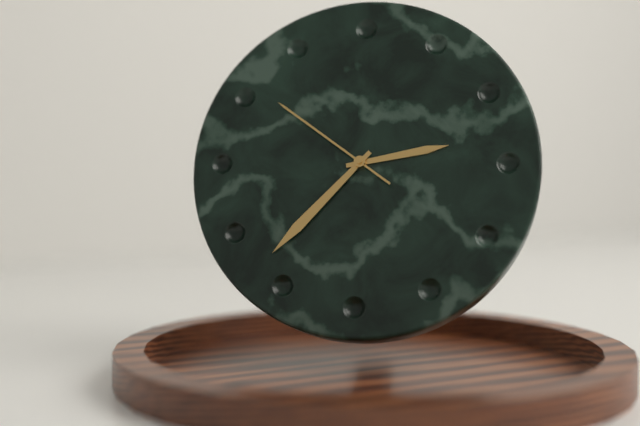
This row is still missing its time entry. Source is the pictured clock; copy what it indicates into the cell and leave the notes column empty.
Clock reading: 2:37:51
